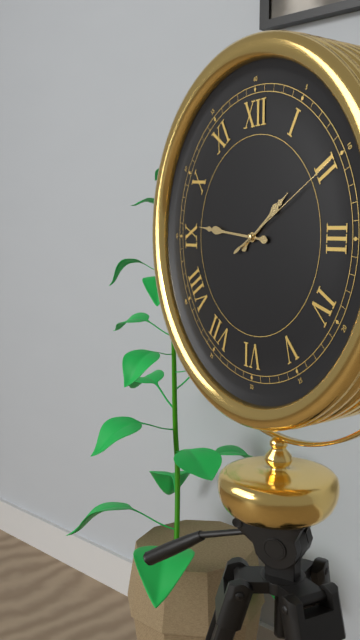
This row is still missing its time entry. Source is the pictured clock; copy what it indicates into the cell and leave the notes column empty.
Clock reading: 1:46:10
